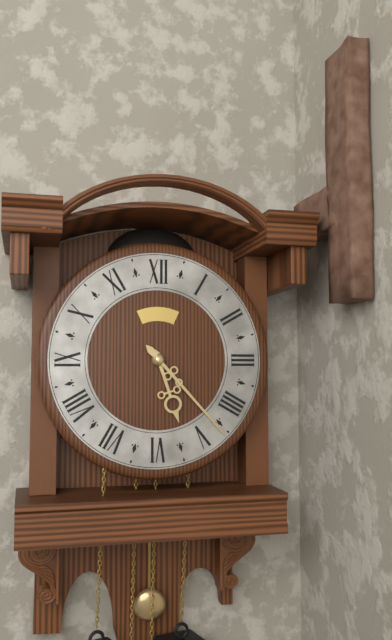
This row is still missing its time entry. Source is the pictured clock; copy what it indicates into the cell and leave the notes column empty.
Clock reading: 5:23
